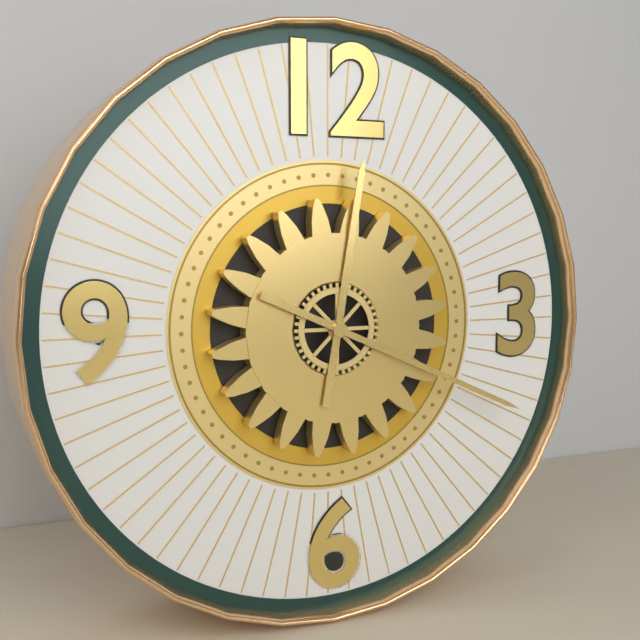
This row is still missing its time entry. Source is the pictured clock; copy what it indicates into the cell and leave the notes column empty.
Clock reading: 12:19
